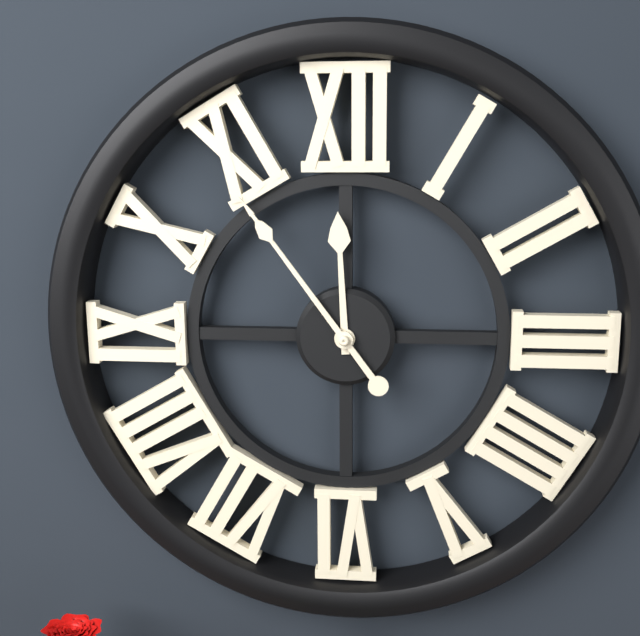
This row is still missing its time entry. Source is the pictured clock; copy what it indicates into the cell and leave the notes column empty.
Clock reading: 11:54
